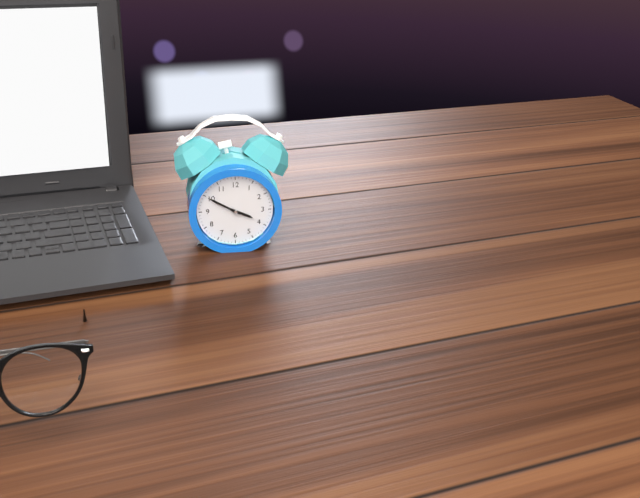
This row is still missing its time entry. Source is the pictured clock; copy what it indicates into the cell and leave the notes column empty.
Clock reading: 3:50
